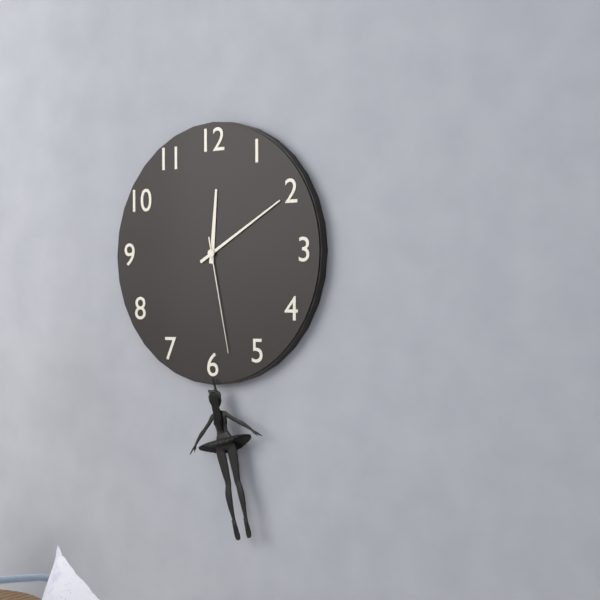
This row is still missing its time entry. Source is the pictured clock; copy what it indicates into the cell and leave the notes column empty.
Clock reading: 12:10:28
